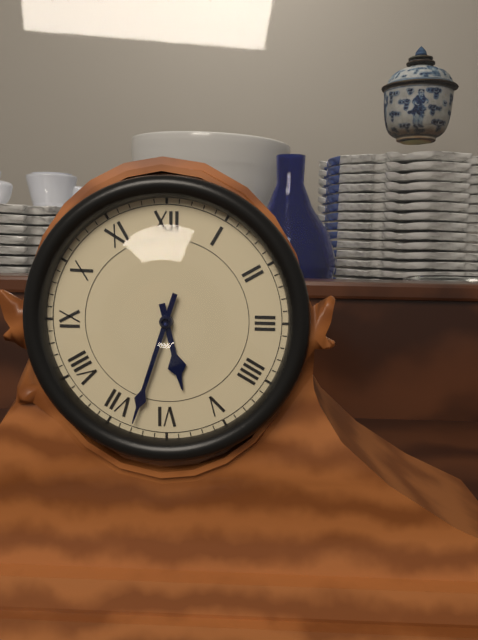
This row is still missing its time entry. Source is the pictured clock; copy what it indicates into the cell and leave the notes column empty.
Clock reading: 5:33
